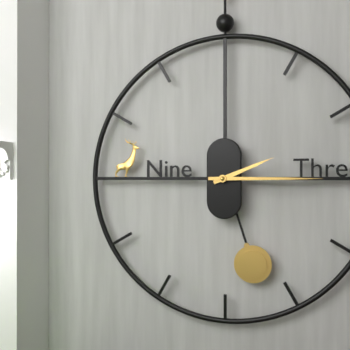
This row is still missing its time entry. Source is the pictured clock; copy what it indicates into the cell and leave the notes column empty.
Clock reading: 2:15
